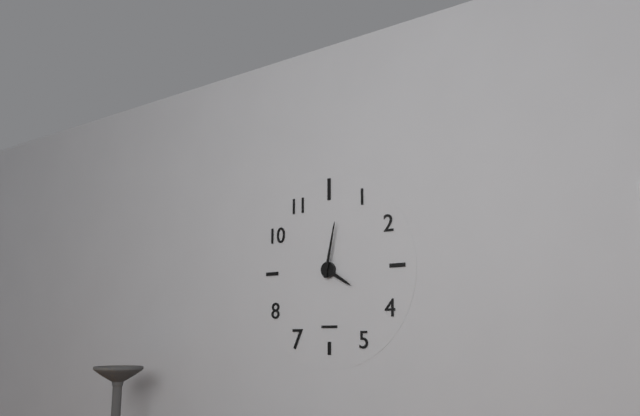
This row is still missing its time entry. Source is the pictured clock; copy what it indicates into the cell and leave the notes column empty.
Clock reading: 4:02
